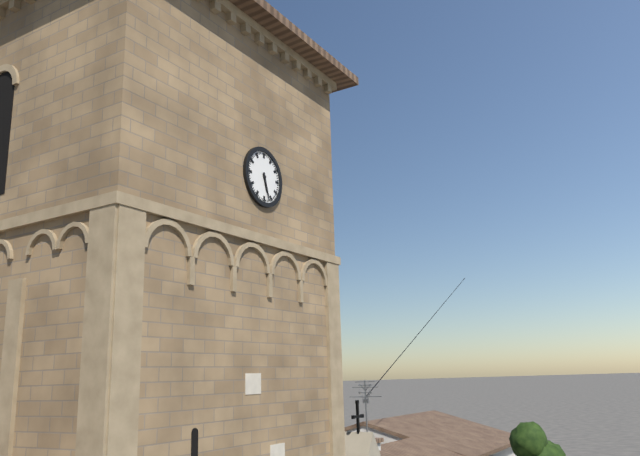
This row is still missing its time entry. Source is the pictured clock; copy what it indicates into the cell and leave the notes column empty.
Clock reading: 5:27
